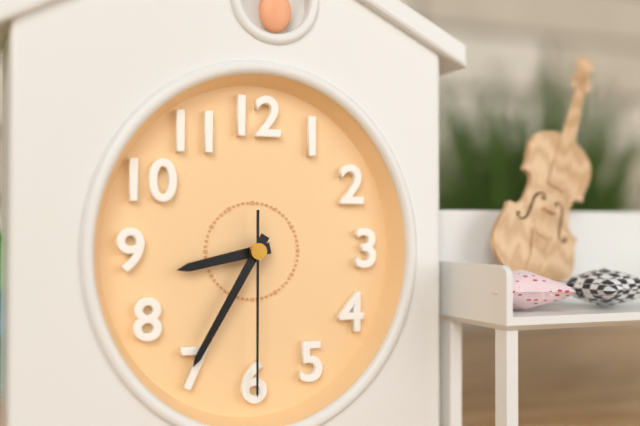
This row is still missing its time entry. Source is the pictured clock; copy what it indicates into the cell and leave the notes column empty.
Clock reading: 8:35:30
